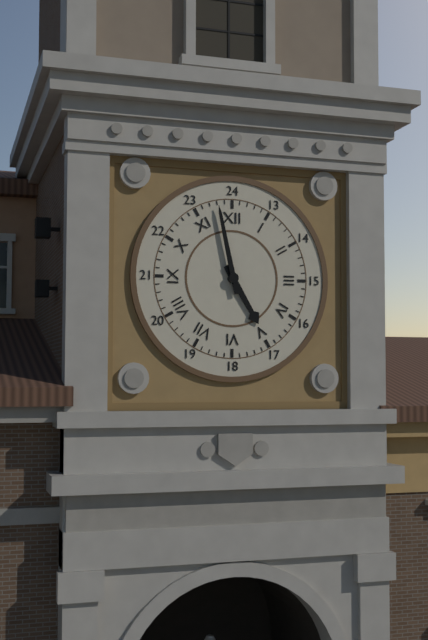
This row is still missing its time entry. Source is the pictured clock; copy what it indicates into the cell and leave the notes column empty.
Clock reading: 4:58
